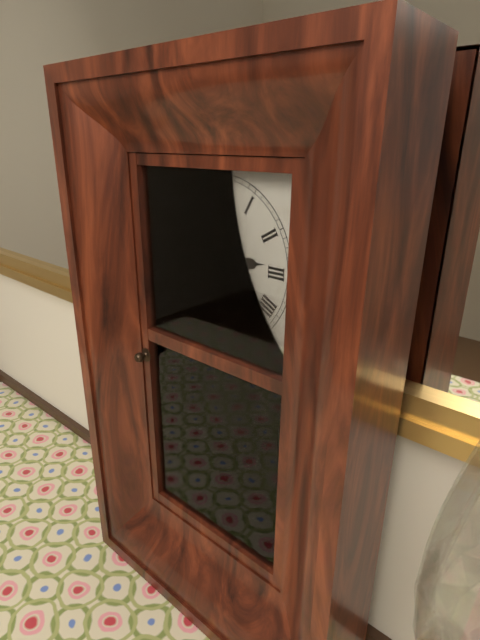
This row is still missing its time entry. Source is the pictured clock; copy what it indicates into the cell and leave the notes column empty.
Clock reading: 2:47
